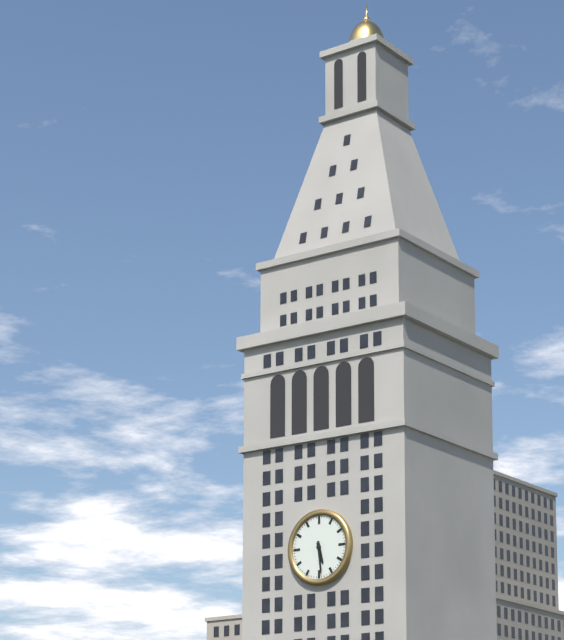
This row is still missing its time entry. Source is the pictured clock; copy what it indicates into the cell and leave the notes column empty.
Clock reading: 5:29
